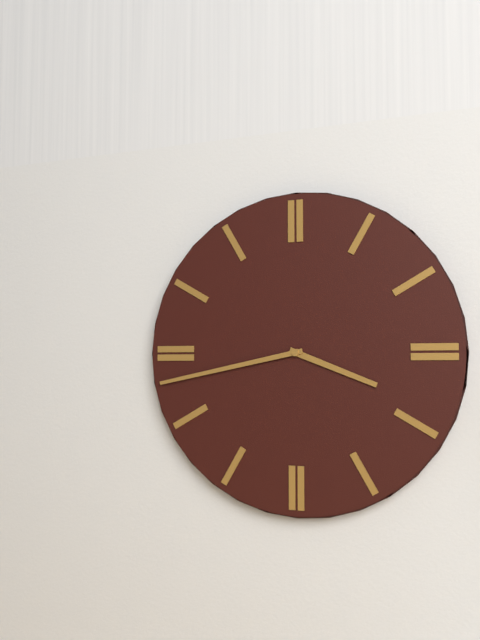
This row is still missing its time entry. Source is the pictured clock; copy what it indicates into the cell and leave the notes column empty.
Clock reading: 3:43
